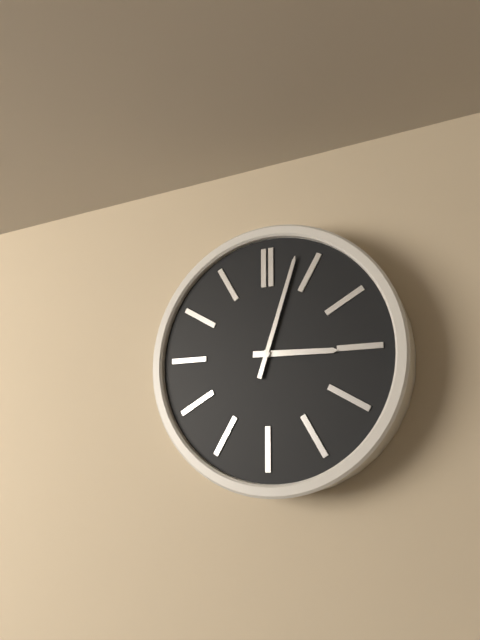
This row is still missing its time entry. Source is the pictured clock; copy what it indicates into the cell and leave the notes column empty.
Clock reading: 3:03
